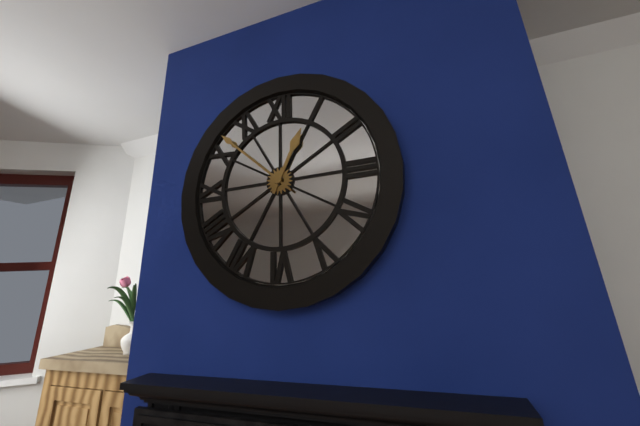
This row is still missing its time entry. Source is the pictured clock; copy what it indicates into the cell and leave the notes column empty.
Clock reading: 12:52
